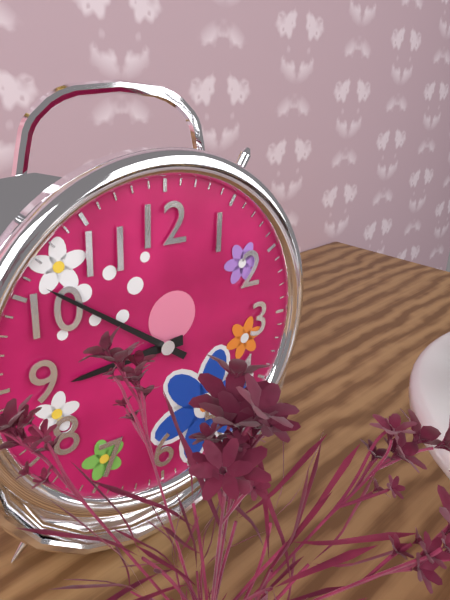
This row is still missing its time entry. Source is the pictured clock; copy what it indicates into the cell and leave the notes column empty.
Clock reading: 8:51
